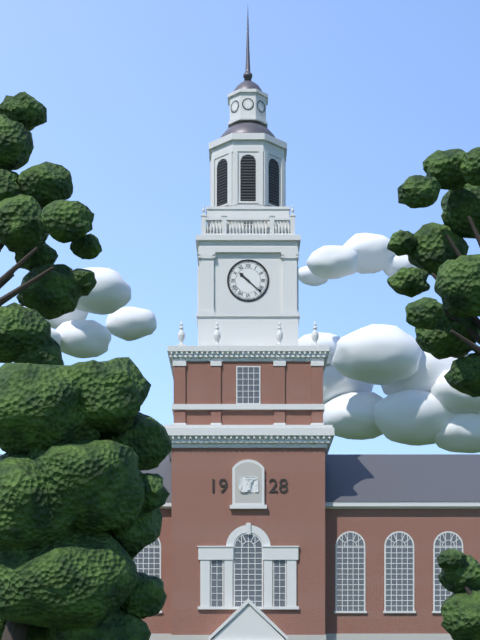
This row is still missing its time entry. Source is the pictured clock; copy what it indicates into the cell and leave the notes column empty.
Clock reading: 10:22
